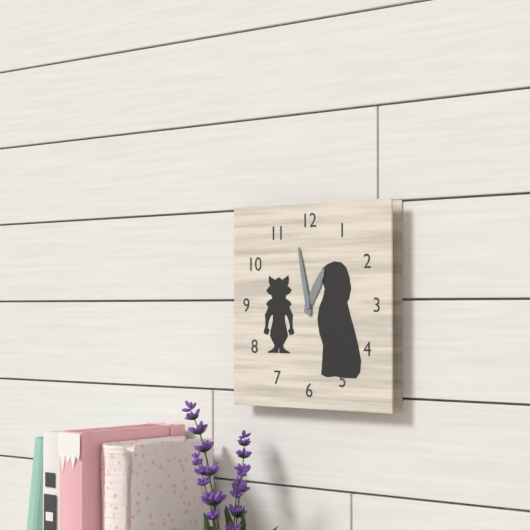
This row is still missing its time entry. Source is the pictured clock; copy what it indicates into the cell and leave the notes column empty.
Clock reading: 12:58
